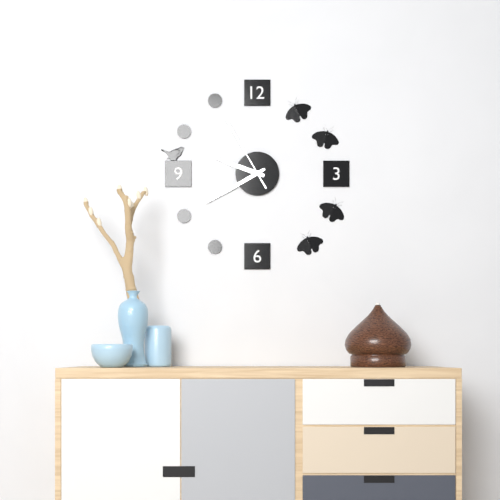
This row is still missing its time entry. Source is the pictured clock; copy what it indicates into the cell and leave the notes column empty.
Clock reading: 9:40:55
